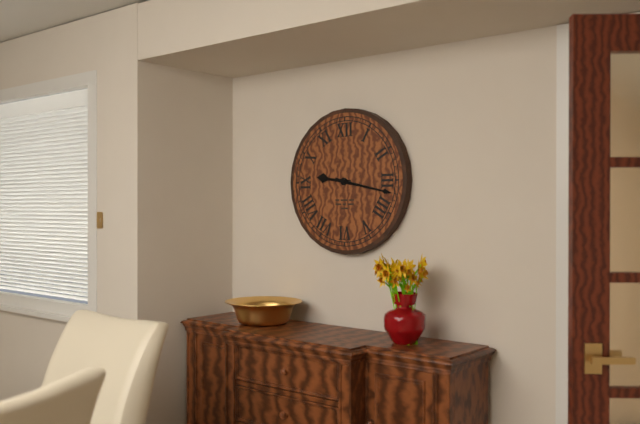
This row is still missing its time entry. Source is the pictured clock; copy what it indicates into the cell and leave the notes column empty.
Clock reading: 9:17
